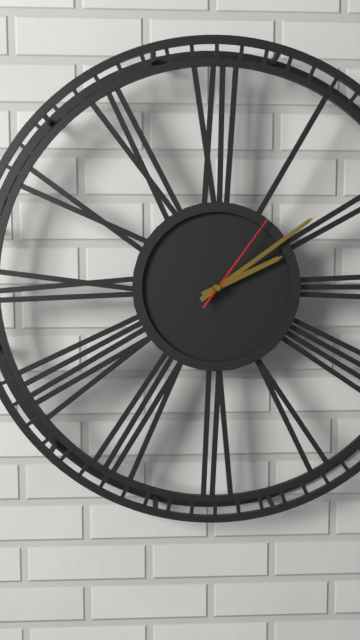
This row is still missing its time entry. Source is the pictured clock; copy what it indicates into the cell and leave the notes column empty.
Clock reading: 2:09:06
